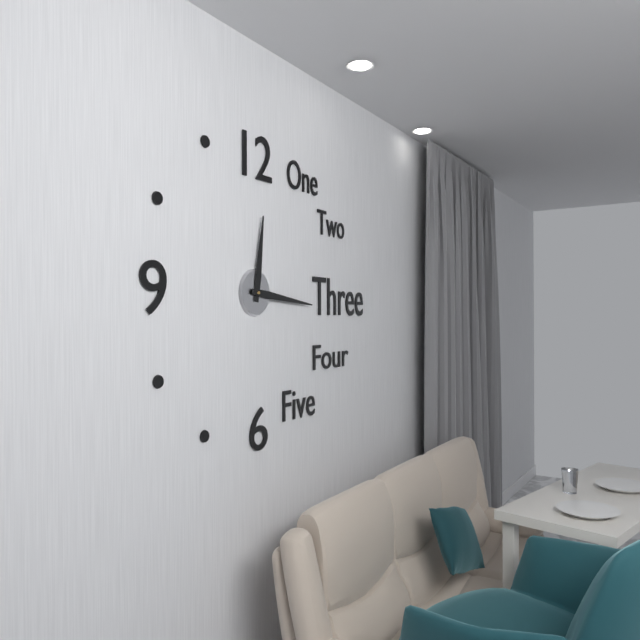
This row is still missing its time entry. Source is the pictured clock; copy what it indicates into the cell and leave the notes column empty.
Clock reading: 12:16
